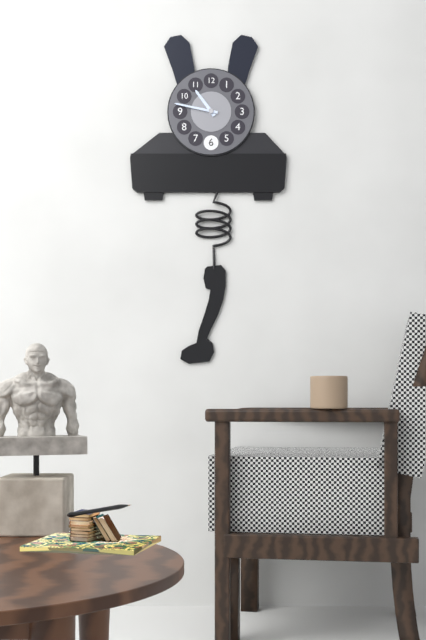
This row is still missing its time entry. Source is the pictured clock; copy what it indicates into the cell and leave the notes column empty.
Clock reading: 10:47
